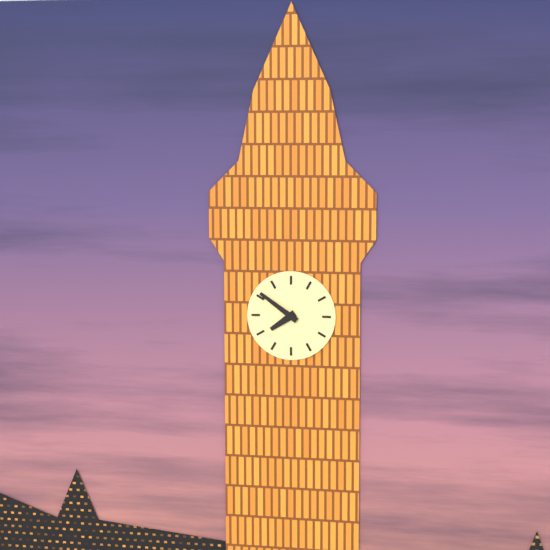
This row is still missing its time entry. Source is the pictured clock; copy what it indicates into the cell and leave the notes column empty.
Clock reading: 7:51
